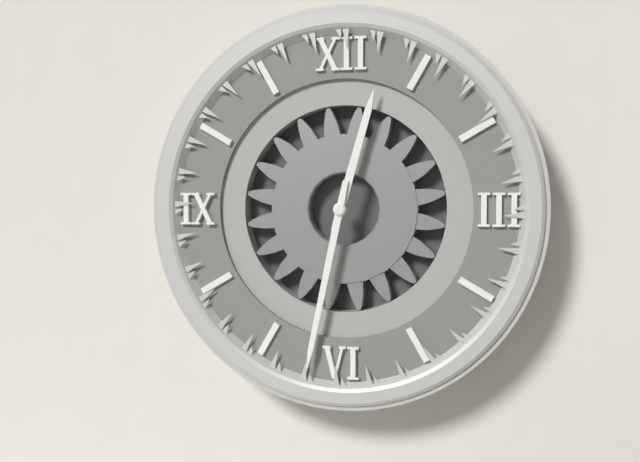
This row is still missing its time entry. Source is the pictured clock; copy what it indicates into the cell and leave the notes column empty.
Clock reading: 12:32
